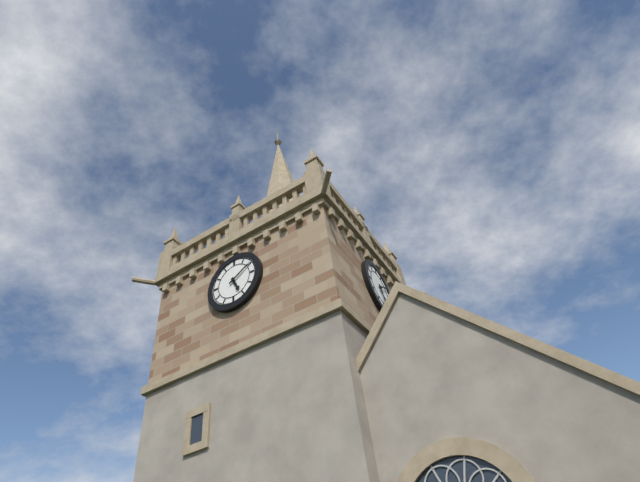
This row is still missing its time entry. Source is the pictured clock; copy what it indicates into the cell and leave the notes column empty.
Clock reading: 5:10
